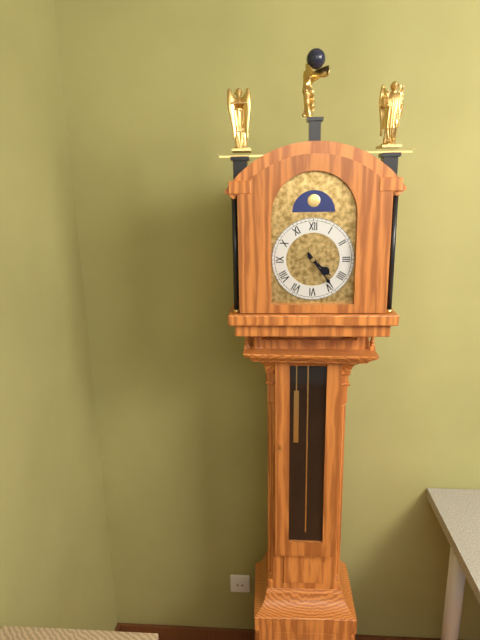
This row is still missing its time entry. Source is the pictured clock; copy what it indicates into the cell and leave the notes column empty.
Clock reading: 4:24
